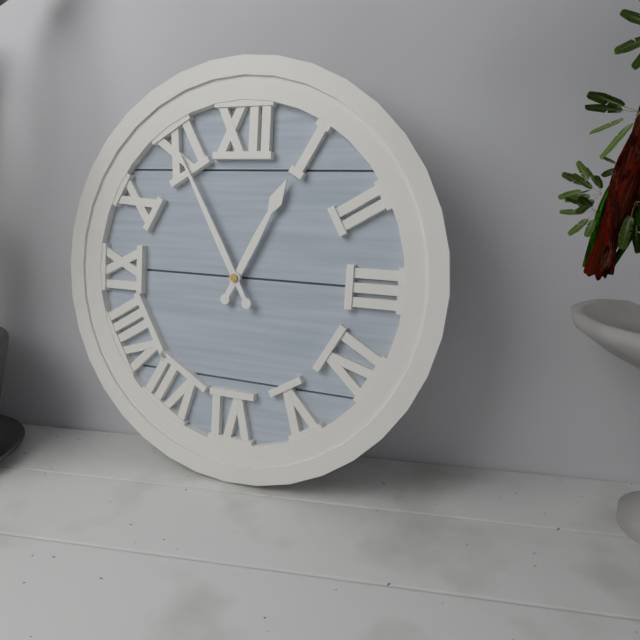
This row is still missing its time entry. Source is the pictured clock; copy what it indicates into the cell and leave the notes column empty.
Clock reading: 12:55
